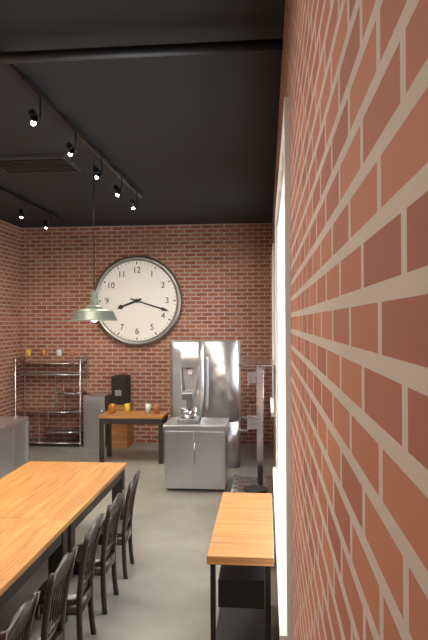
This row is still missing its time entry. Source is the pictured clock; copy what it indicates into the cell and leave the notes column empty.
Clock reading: 8:18
